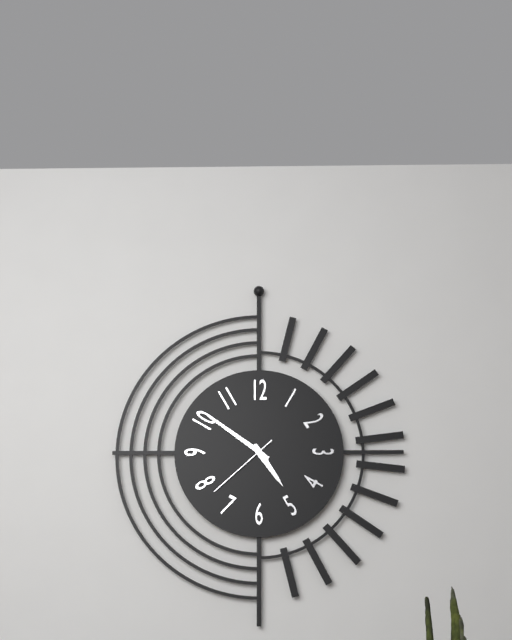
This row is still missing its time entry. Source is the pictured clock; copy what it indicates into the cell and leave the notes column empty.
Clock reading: 4:51:38
